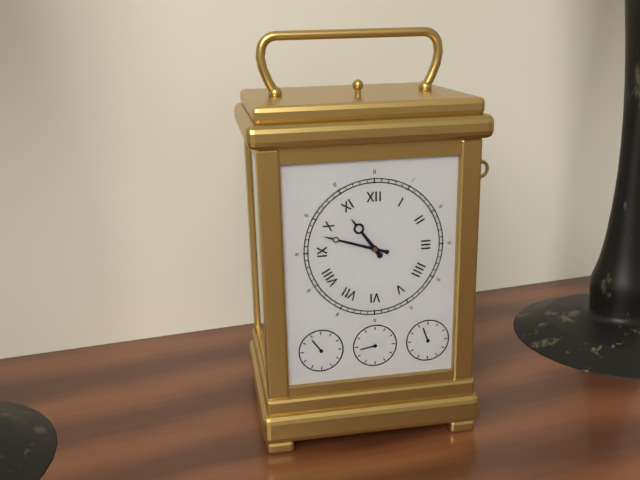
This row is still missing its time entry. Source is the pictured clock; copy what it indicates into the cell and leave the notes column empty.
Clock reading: 10:48
